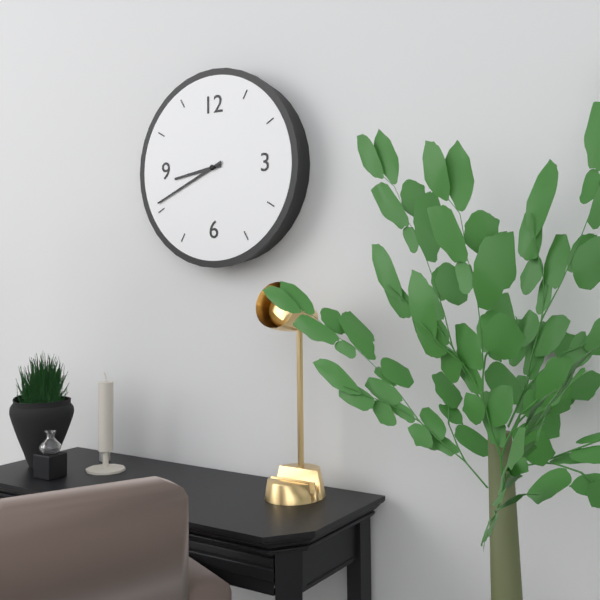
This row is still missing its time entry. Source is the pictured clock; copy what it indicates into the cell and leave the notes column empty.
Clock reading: 8:41
